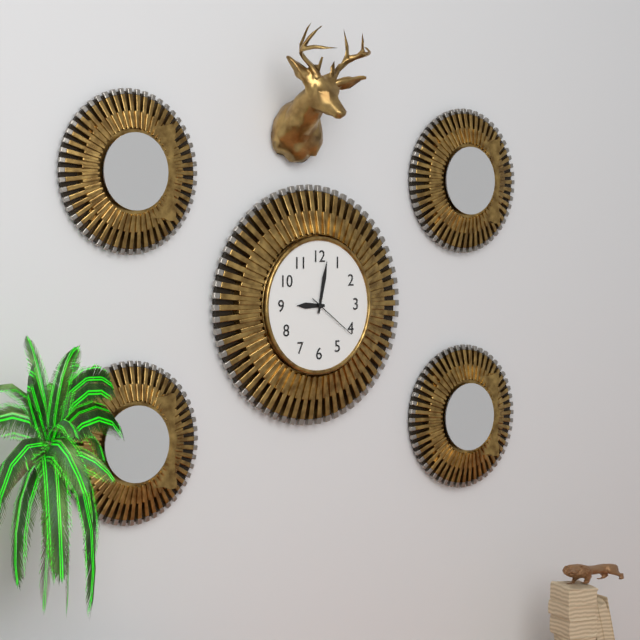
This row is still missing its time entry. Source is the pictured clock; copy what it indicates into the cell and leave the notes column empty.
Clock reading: 9:02:21
